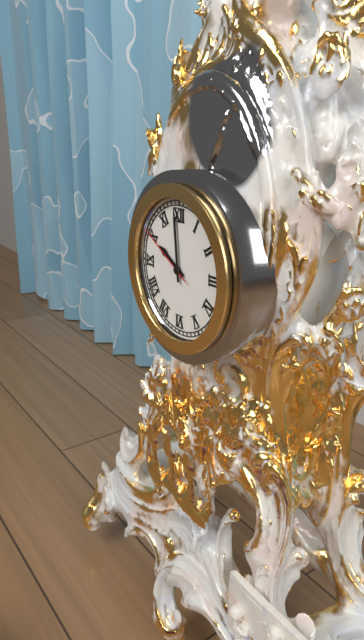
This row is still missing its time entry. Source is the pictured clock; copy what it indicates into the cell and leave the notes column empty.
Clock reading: 9:59:50
